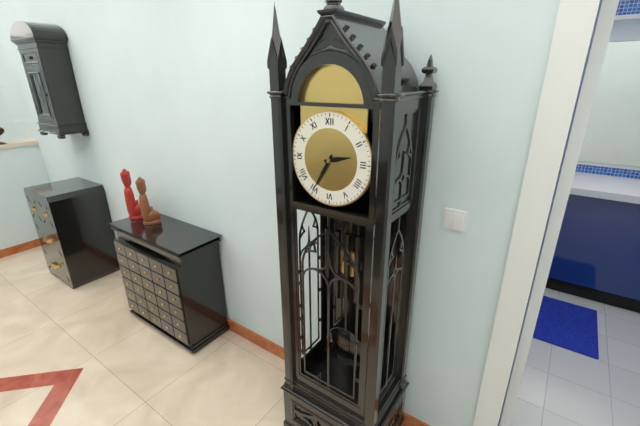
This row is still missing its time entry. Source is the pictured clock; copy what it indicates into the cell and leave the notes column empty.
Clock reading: 2:35
